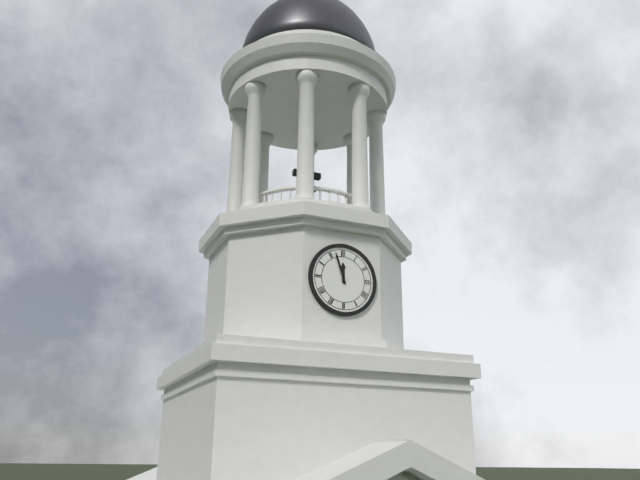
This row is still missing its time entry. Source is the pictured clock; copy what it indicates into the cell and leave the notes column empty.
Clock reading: 11:57
